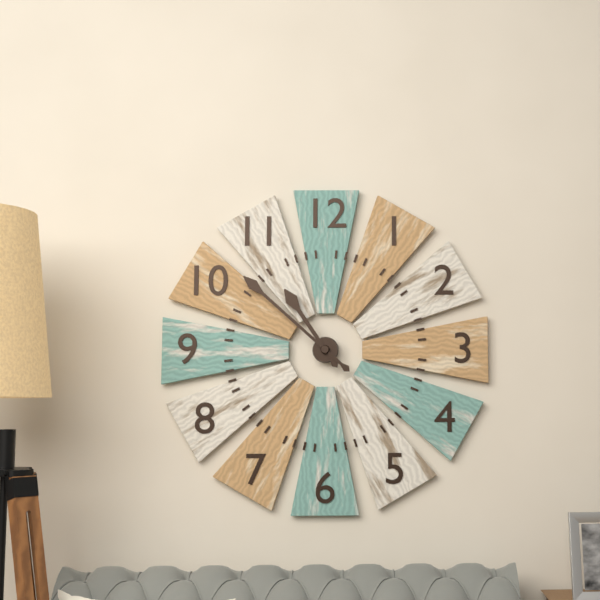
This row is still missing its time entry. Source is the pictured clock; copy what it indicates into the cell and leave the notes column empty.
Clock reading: 10:52
